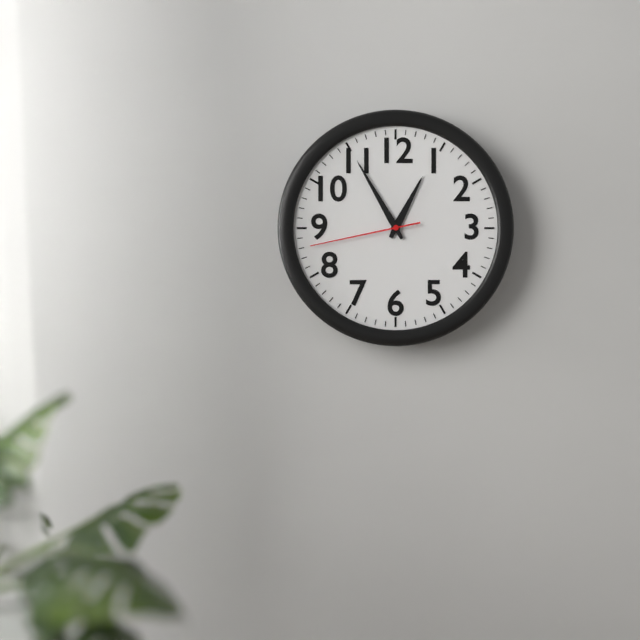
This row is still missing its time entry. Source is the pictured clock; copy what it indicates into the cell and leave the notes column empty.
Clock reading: 12:55:43
